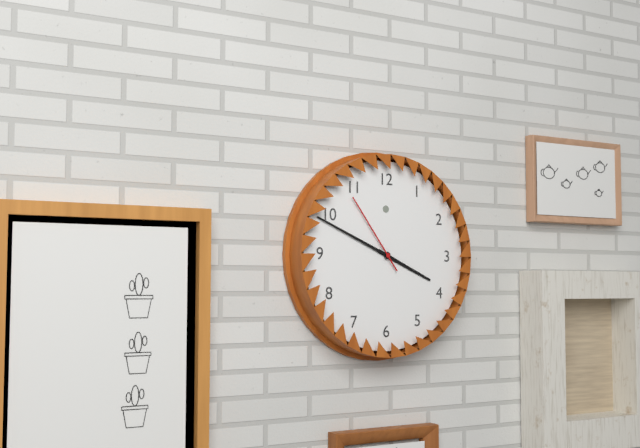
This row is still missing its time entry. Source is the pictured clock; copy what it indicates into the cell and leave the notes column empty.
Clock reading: 3:49:54
